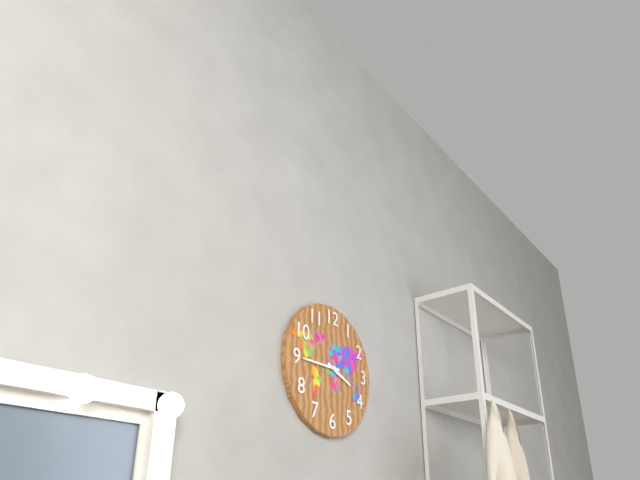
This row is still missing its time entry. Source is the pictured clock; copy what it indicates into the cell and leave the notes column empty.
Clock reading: 3:45
